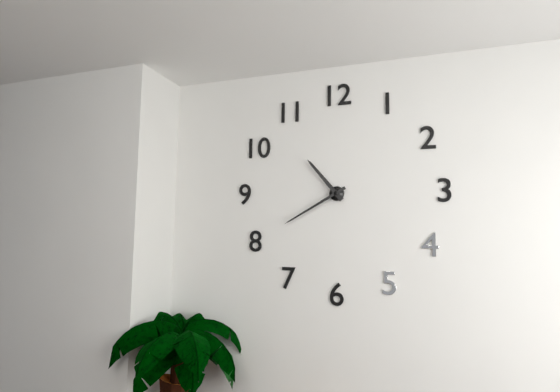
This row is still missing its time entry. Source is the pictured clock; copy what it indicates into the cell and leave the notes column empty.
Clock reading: 10:40
